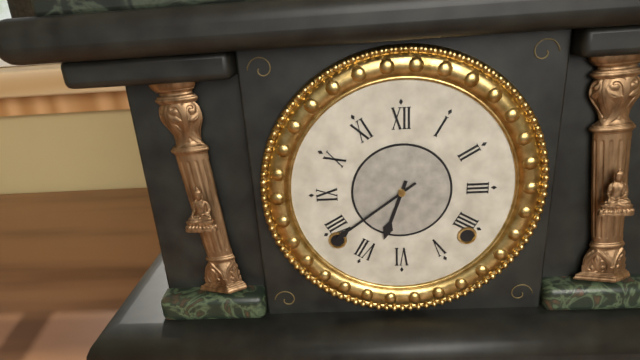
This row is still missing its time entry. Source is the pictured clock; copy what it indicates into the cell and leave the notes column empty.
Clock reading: 6:39
